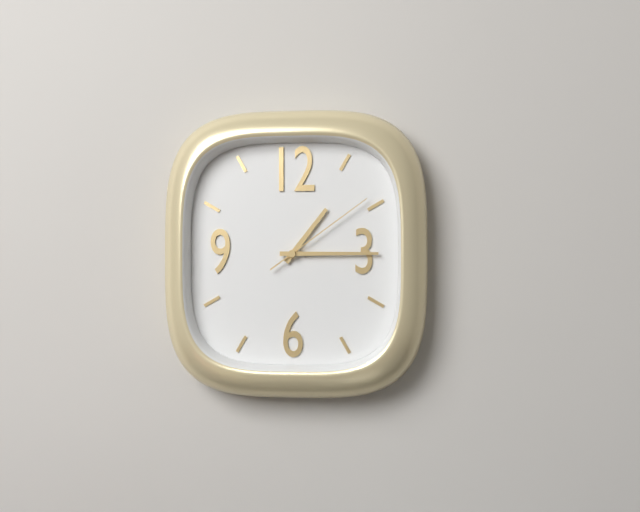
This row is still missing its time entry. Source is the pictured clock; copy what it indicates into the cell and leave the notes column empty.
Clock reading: 1:15:09
